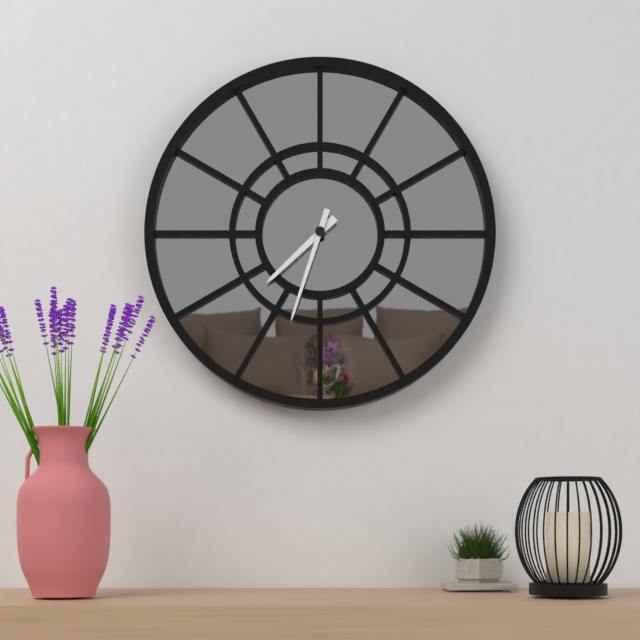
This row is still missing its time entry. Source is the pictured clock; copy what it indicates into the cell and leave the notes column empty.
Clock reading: 7:33
